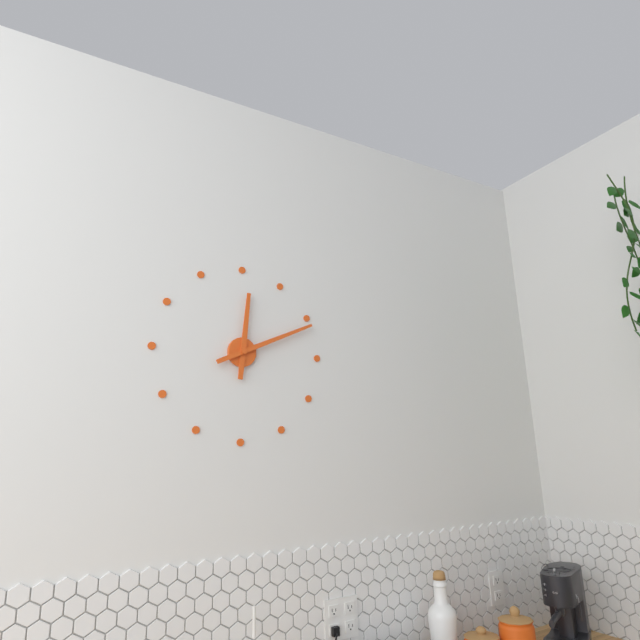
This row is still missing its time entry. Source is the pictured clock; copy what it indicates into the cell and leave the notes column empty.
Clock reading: 12:11
